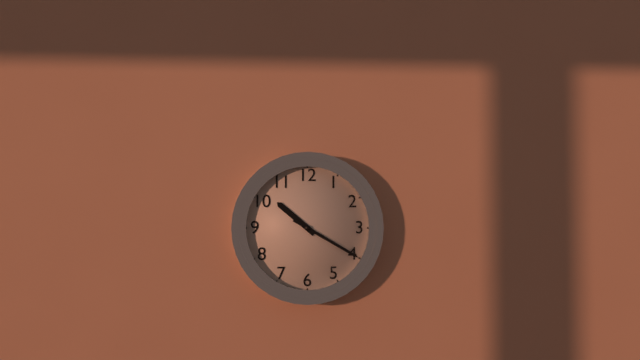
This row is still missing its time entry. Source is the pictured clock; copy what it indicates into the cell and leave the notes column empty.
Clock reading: 10:20
